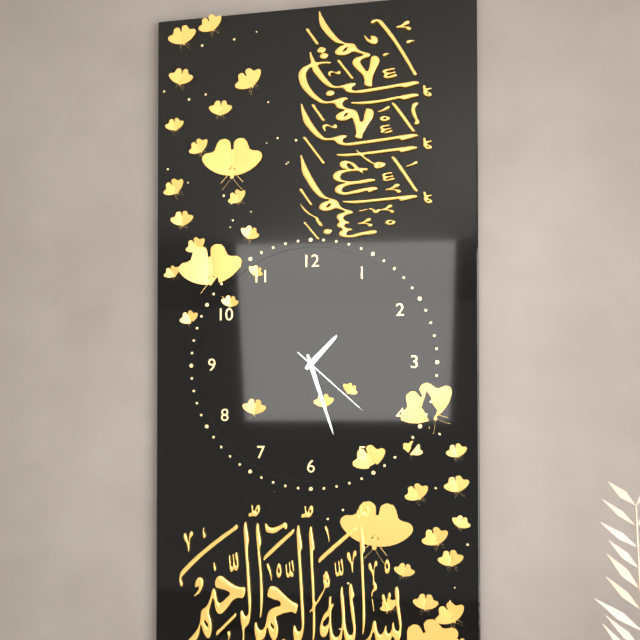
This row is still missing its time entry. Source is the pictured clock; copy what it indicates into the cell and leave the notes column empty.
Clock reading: 1:27:22
